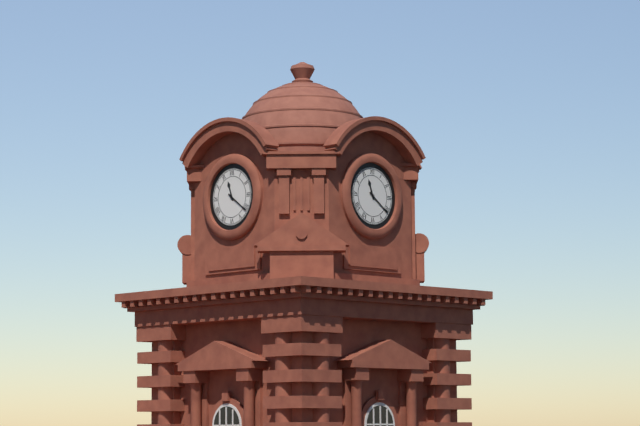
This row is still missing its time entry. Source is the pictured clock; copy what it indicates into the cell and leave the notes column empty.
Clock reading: 11:21
